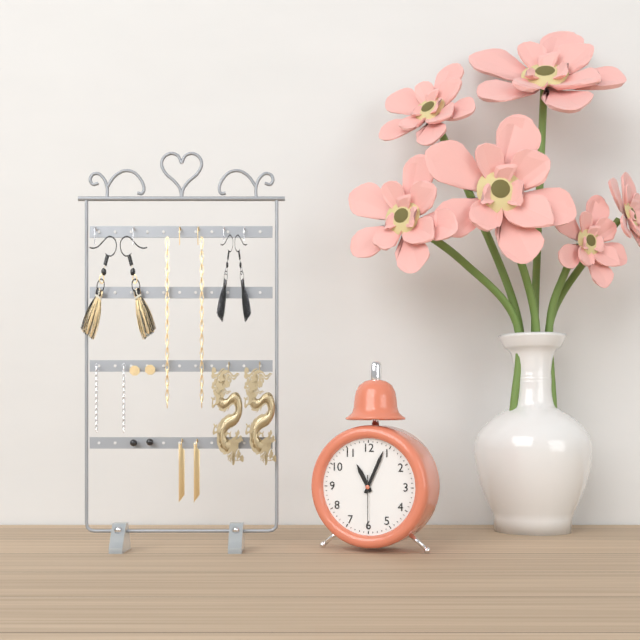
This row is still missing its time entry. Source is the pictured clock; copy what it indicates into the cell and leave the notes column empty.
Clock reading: 11:04:30
